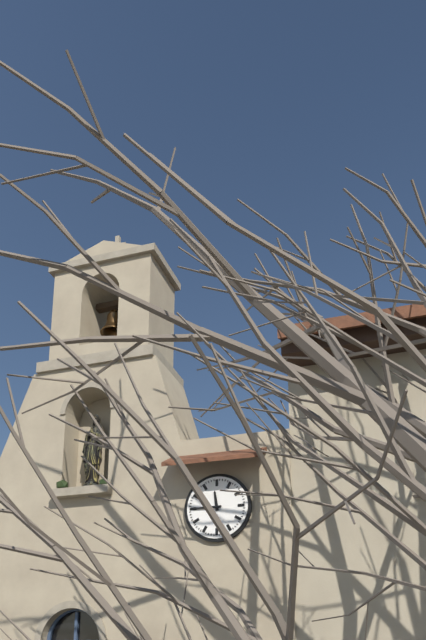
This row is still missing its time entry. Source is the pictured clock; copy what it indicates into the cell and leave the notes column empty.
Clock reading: 11:45
